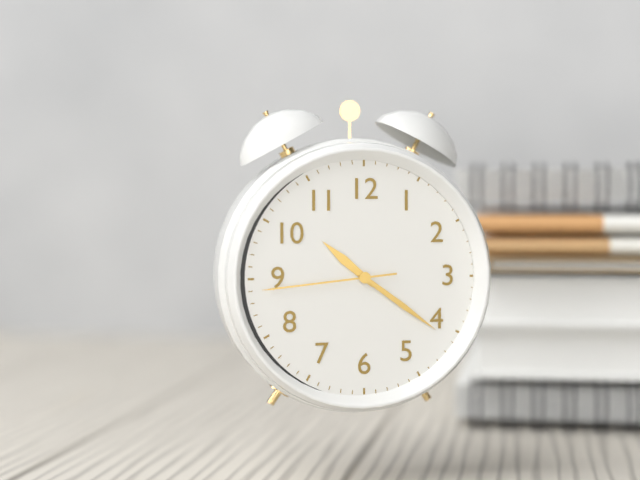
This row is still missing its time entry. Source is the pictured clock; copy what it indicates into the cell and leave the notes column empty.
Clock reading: 10:21:44
